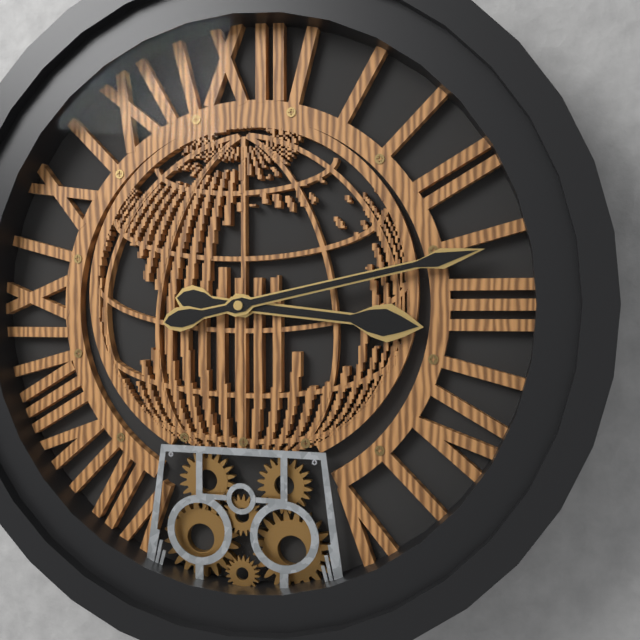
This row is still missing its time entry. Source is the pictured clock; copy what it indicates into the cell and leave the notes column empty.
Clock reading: 3:13
